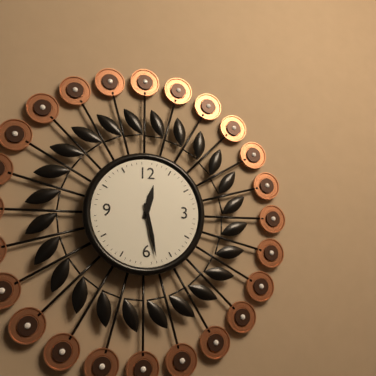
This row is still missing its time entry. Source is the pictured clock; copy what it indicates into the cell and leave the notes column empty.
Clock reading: 12:28
